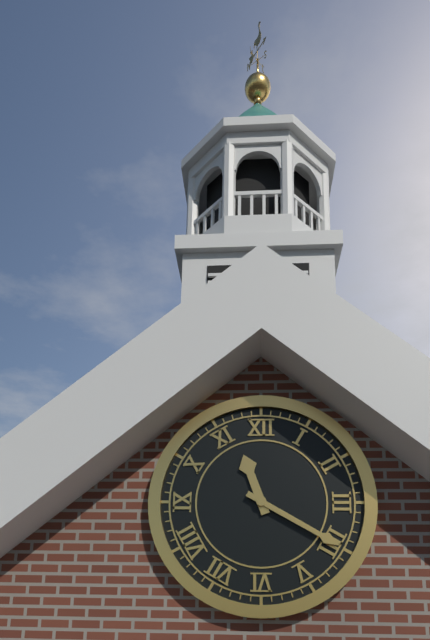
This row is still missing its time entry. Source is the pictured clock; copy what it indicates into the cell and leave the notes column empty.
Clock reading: 11:20
